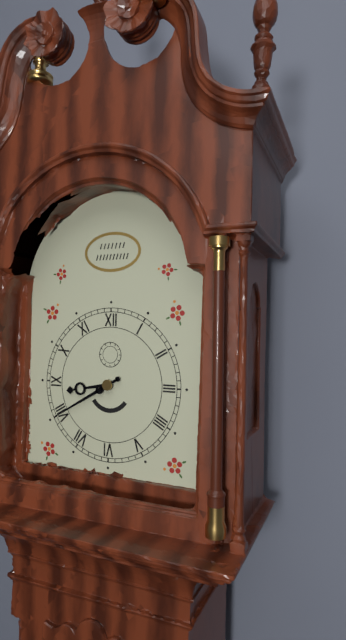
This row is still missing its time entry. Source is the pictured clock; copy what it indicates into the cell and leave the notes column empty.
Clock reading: 8:40
